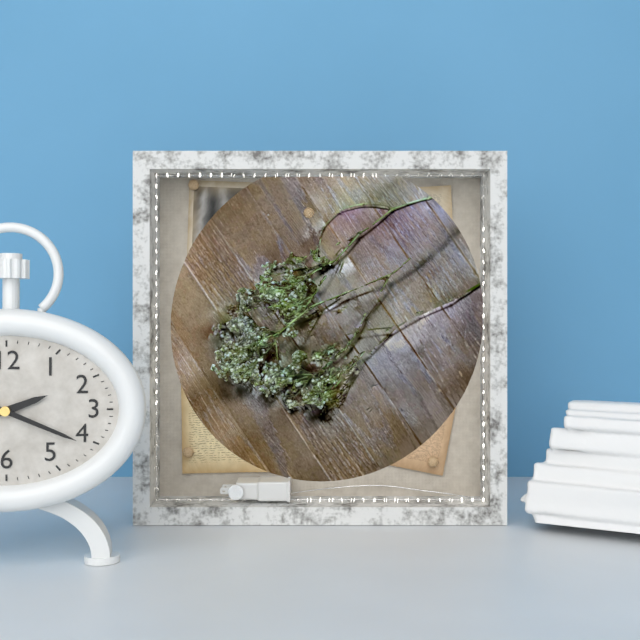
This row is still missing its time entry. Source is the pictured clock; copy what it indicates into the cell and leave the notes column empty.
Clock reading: 2:19
